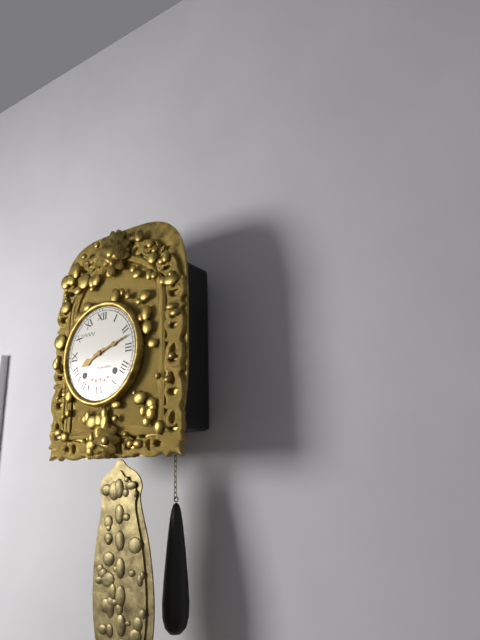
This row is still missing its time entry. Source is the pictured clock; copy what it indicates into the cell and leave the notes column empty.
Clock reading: 8:12
